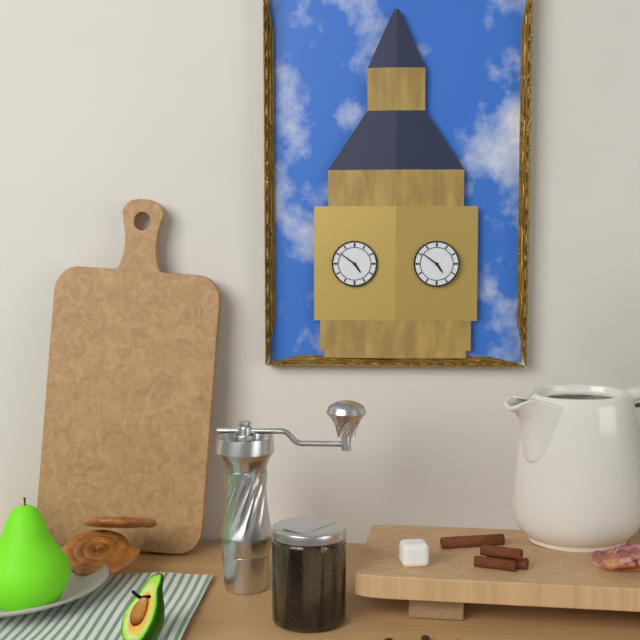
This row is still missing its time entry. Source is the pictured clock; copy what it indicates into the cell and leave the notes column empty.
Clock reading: 4:51
